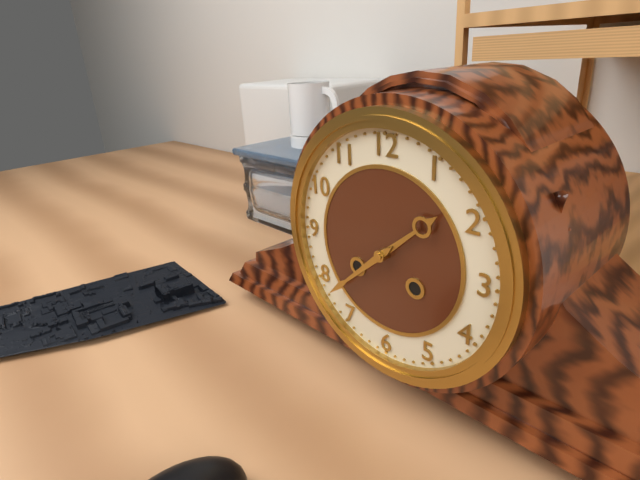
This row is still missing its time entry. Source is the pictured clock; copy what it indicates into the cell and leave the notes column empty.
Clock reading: 1:38
